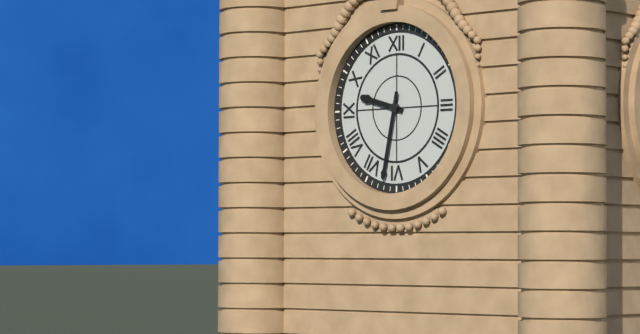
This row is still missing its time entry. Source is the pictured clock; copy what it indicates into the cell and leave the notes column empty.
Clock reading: 9:32
